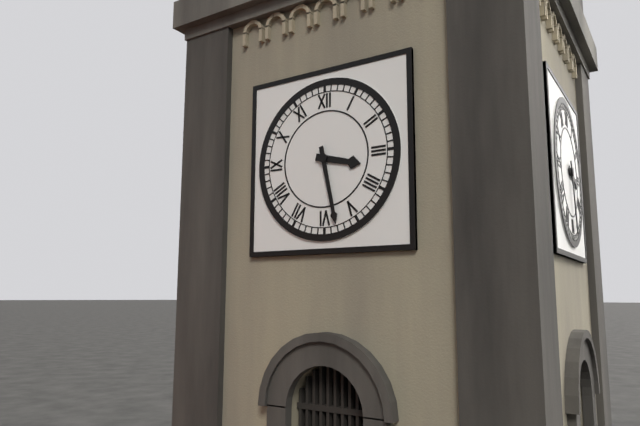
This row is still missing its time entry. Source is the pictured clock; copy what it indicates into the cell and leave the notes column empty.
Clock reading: 3:28
